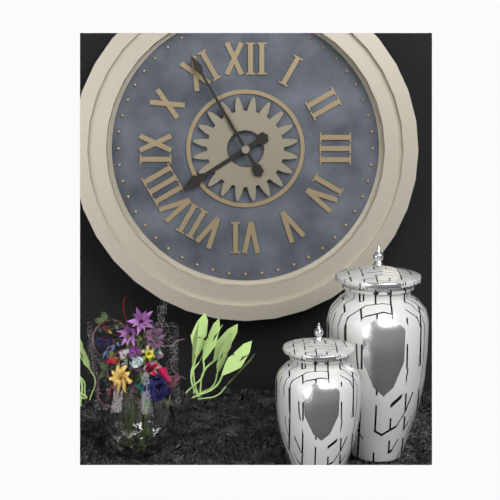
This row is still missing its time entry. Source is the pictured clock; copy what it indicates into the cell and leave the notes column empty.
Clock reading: 7:55
